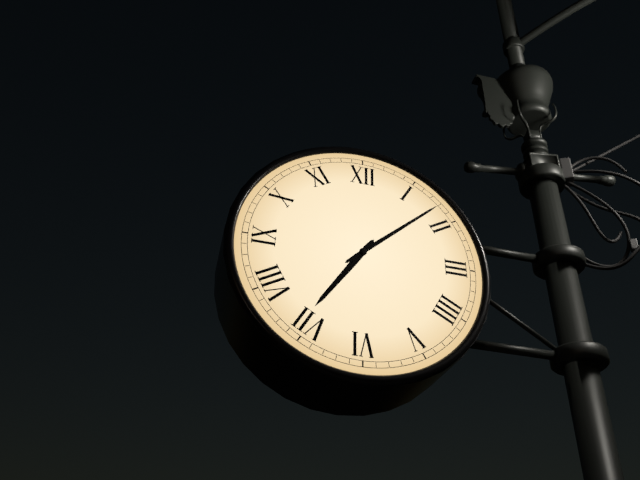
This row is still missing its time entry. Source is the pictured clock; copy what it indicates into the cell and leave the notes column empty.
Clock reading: 7:08
